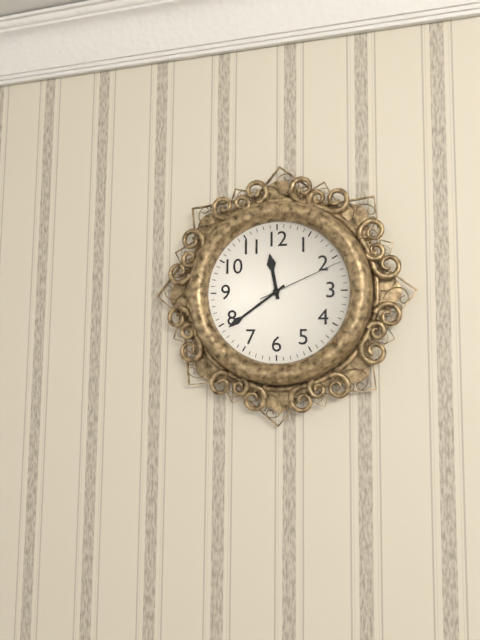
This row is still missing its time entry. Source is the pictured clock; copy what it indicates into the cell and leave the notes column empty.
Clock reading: 11:39:11
